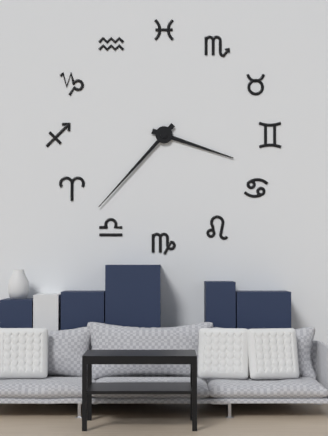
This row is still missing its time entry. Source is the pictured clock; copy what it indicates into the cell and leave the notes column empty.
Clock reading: 3:37
